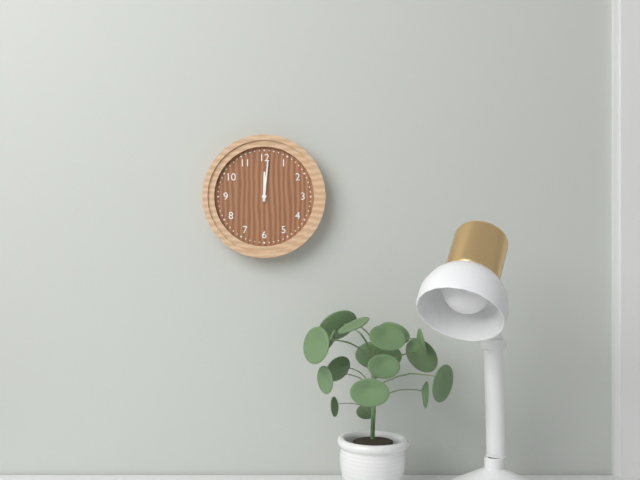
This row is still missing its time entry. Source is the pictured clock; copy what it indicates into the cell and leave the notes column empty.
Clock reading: 12:01
